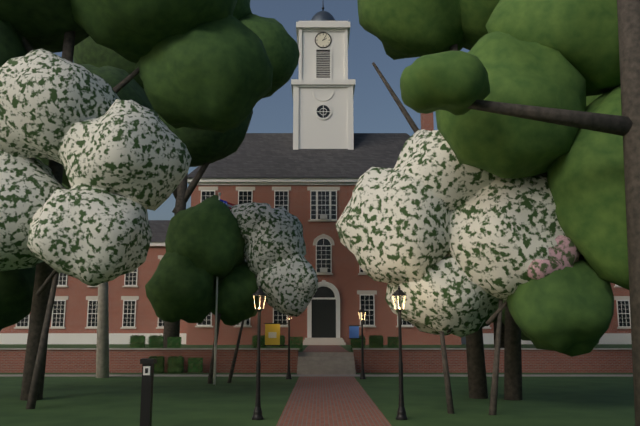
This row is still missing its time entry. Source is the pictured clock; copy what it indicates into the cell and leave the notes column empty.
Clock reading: 2:05
